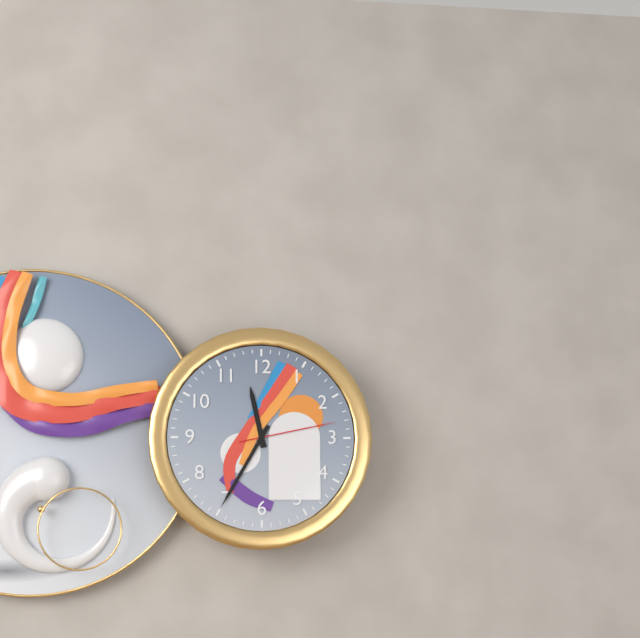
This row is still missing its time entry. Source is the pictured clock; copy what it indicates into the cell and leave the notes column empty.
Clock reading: 11:35:13
